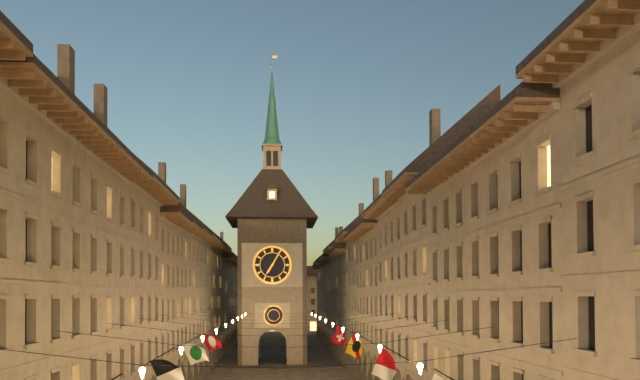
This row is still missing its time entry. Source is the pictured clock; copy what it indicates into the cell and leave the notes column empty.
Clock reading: 7:05
